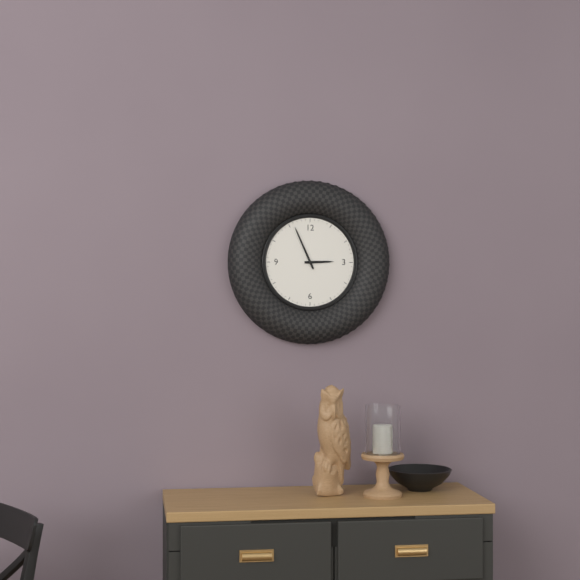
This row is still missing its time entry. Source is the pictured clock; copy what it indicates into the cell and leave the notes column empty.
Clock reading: 2:56
